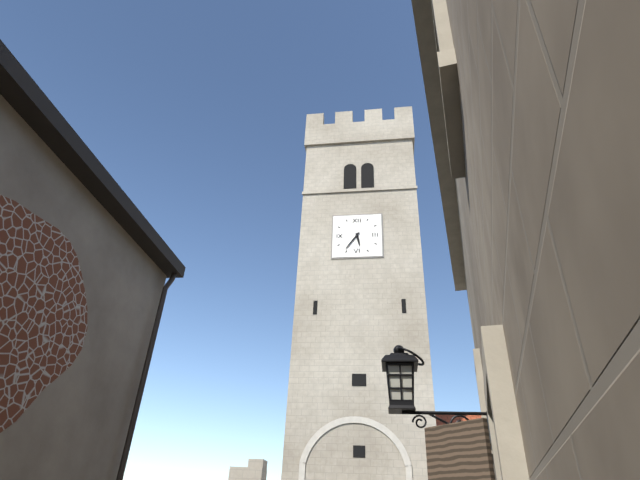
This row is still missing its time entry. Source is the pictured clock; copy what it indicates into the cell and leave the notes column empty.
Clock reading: 5:36
